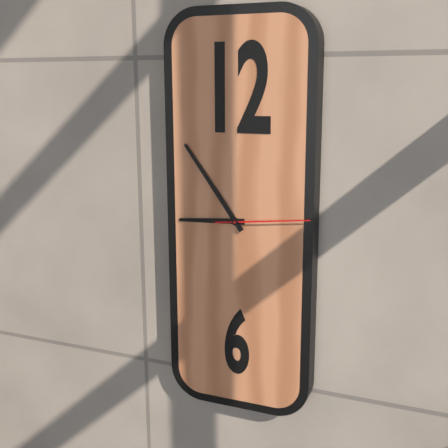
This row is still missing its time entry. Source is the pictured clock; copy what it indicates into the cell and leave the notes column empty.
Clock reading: 8:54:14
